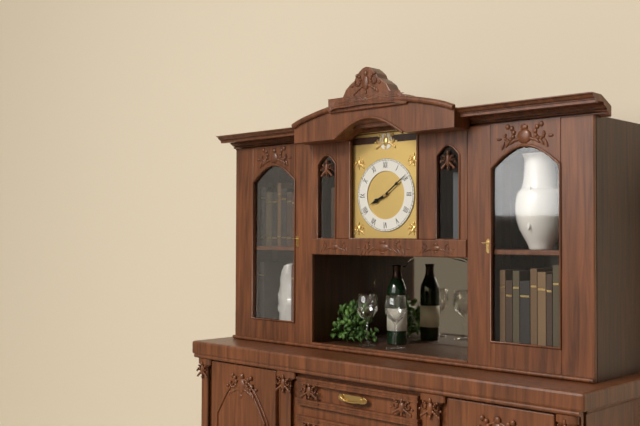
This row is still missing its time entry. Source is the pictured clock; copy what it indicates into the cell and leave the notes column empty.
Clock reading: 8:09
